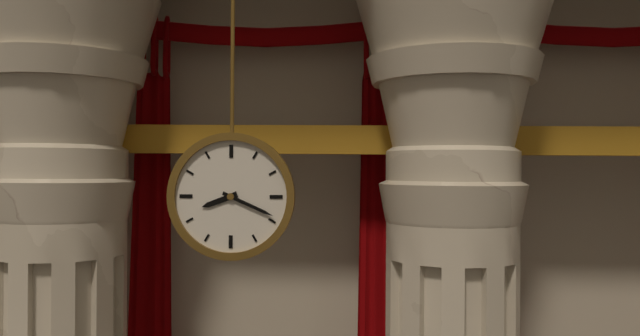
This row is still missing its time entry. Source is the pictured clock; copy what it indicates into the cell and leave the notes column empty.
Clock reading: 8:19
